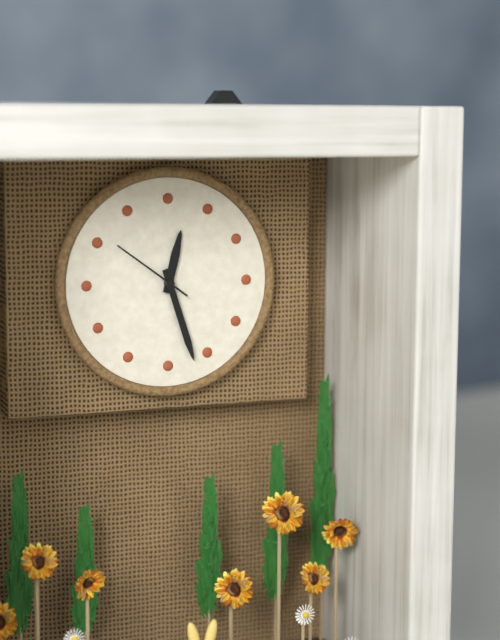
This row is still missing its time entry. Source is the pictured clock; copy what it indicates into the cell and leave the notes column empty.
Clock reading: 12:27:51
